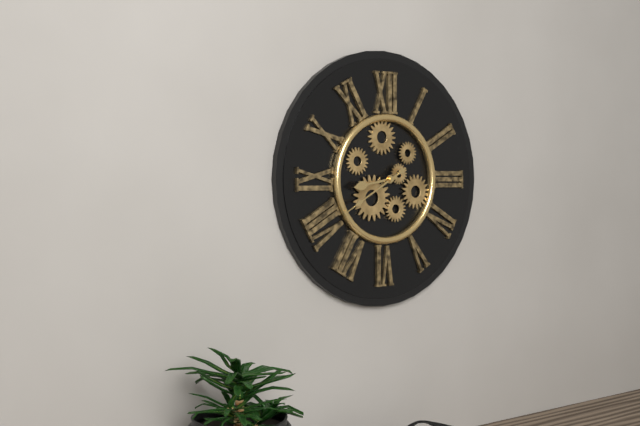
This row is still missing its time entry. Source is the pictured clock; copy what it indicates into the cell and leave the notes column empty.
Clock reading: 8:40
